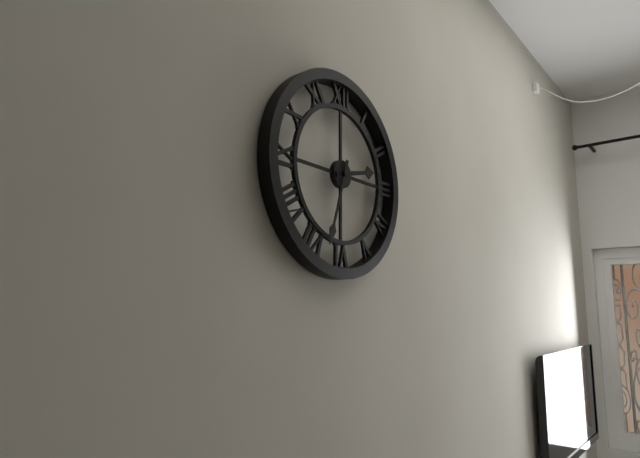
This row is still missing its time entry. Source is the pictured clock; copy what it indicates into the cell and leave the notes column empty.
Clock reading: 2:33
